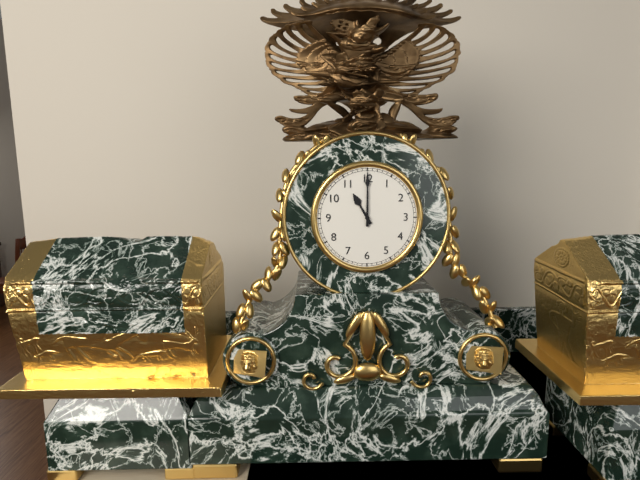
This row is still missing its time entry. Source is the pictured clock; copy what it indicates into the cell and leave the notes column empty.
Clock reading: 11:00
